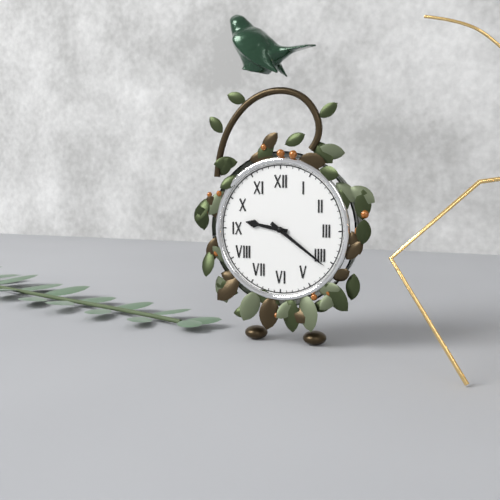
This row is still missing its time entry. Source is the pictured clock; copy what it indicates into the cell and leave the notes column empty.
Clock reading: 9:21
